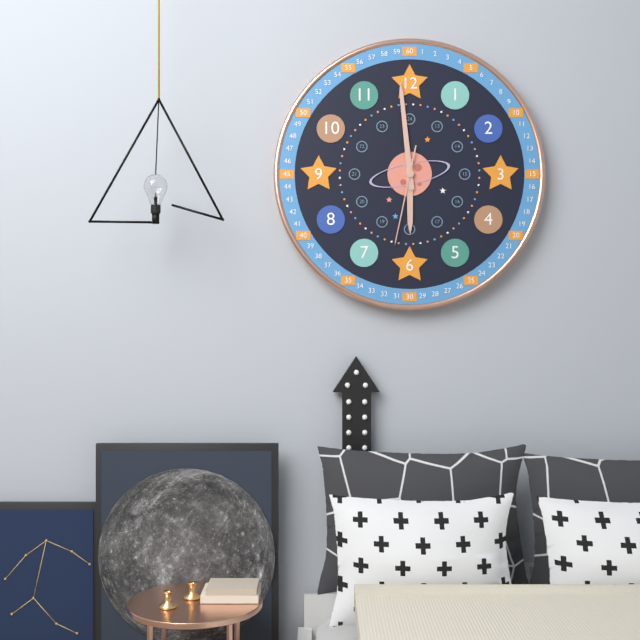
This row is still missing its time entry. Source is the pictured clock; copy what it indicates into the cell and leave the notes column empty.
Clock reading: 5:59:32
